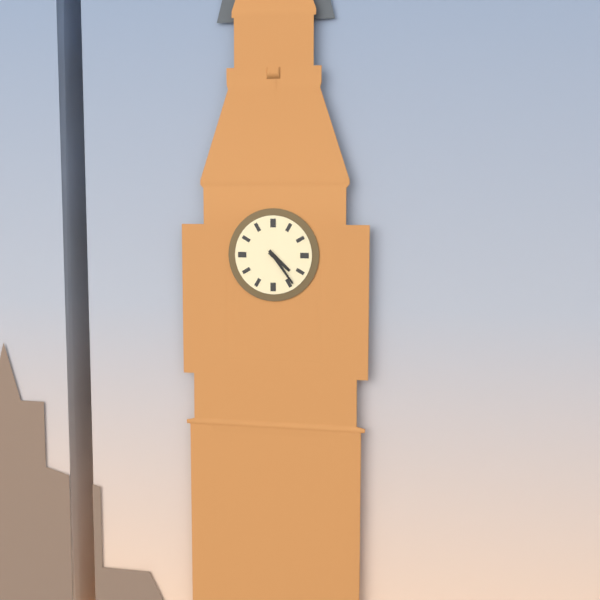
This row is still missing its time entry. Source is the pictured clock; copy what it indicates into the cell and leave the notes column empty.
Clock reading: 4:24
